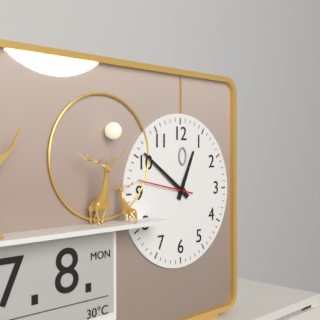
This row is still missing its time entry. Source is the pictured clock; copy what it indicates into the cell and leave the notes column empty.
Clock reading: 12:51:47
